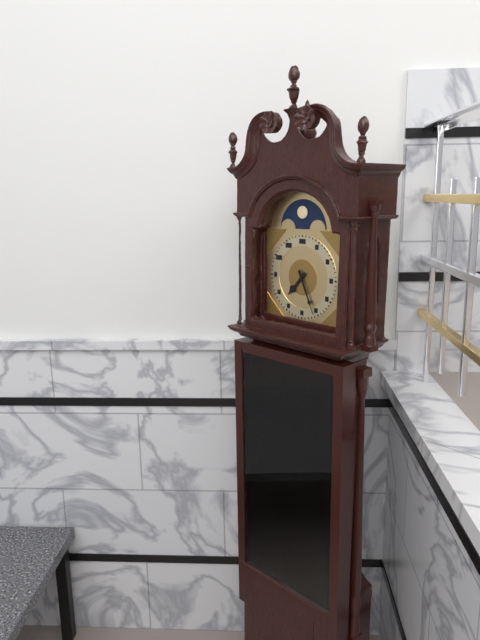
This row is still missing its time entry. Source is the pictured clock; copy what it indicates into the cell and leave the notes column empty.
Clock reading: 7:26
